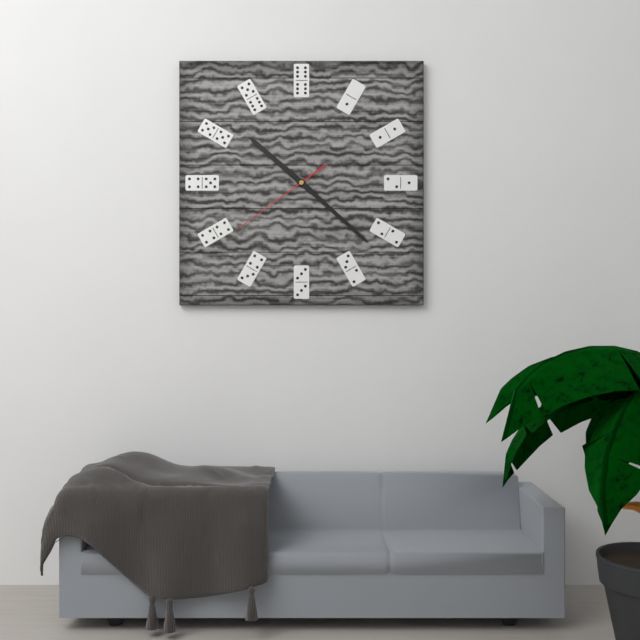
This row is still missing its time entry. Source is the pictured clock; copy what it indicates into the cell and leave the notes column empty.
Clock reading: 10:22:39
